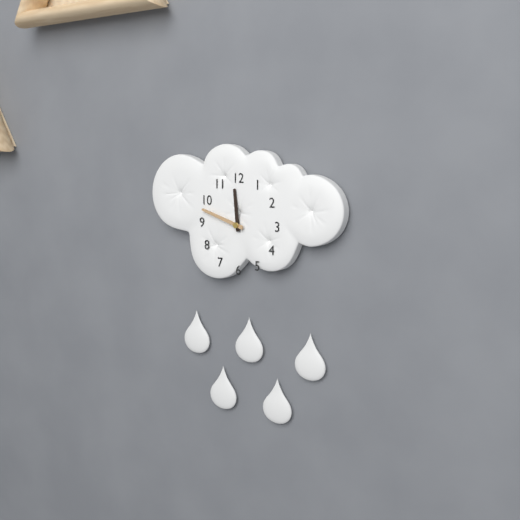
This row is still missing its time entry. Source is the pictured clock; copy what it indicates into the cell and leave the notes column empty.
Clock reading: 11:48
